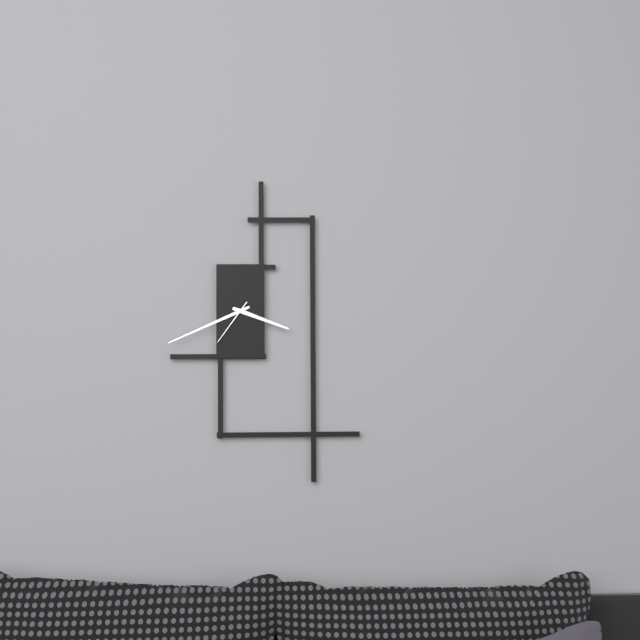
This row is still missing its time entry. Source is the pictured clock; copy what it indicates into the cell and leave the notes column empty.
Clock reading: 3:41:36
